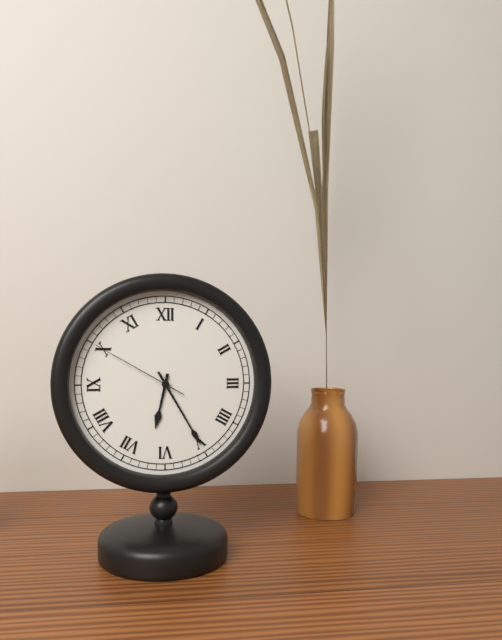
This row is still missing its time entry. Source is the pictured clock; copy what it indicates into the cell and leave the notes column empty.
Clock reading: 6:25:50
